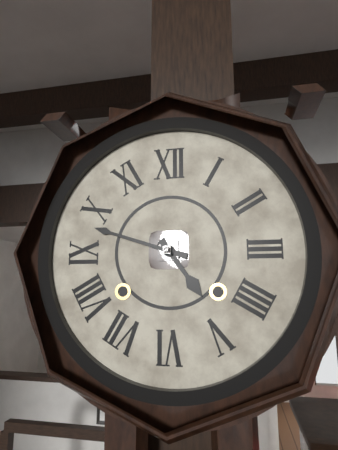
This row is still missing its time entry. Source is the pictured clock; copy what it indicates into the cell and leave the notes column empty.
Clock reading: 4:48
